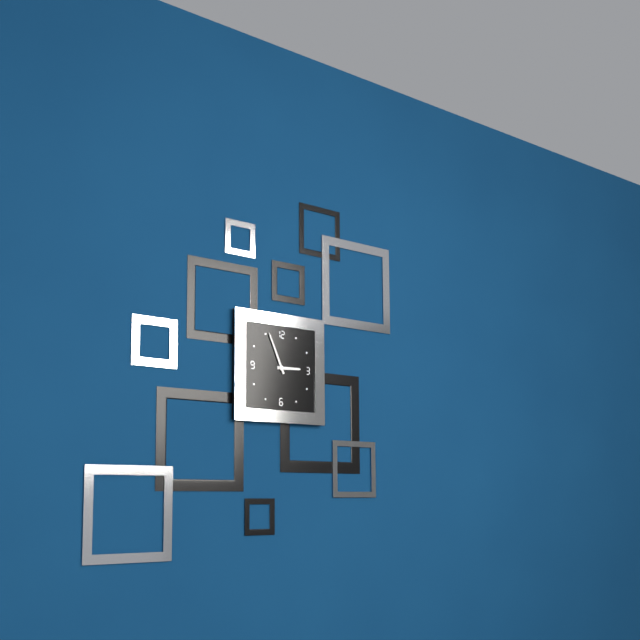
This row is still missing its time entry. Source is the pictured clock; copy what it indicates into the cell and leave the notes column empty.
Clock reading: 2:56
